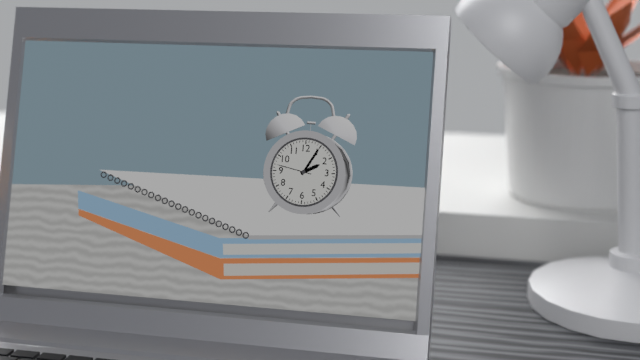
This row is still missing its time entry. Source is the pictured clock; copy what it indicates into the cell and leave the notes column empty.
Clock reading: 2:05
